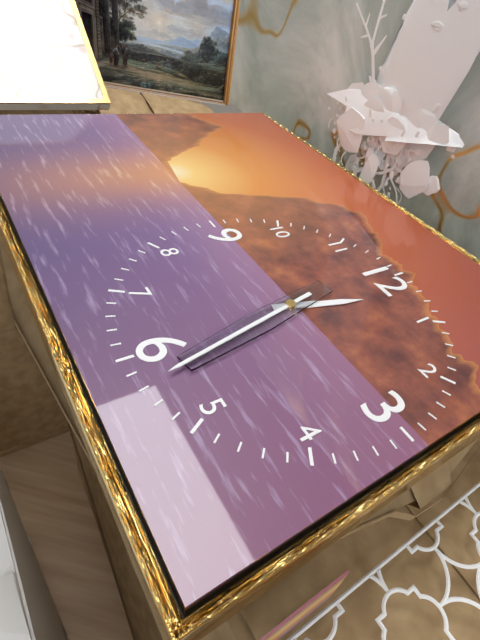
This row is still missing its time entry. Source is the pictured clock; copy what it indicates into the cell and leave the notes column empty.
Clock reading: 12:28
